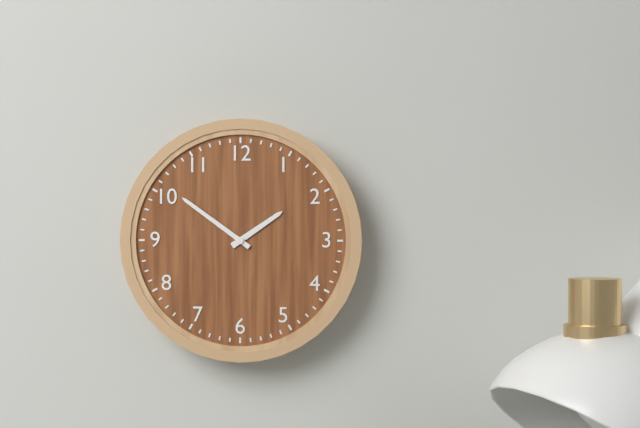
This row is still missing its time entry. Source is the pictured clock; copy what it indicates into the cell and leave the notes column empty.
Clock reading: 1:51
